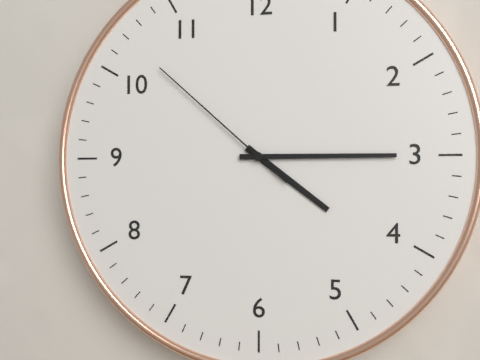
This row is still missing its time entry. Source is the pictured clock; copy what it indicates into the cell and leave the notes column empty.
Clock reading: 4:15:52
